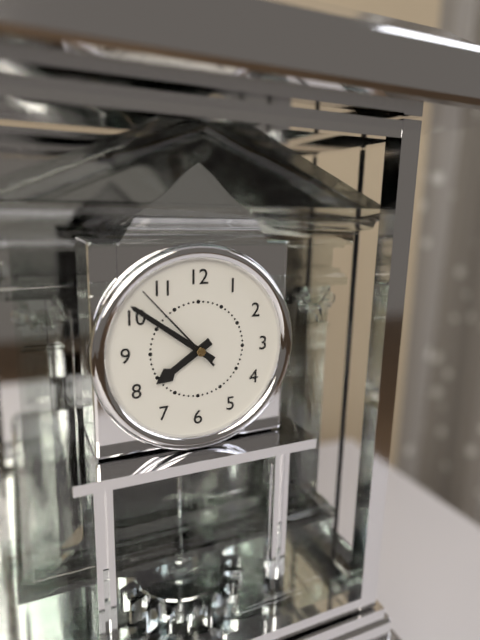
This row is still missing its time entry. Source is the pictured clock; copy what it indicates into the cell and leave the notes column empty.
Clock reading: 7:51:53
